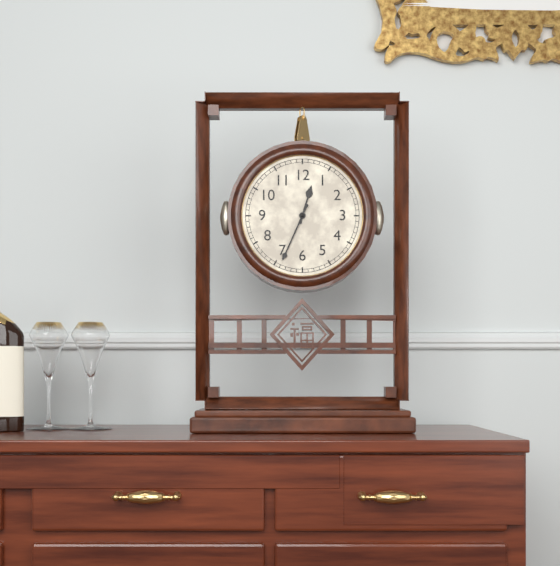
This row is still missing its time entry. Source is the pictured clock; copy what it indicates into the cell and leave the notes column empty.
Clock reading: 12:34
